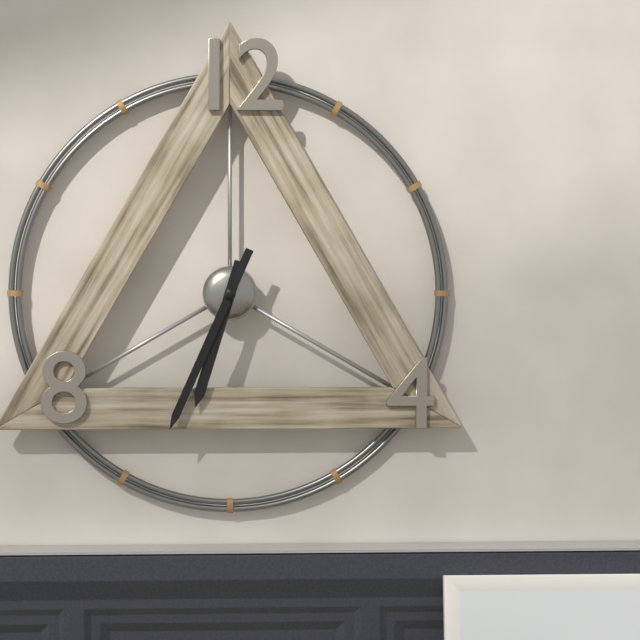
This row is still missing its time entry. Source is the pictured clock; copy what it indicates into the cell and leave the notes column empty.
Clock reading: 6:34
